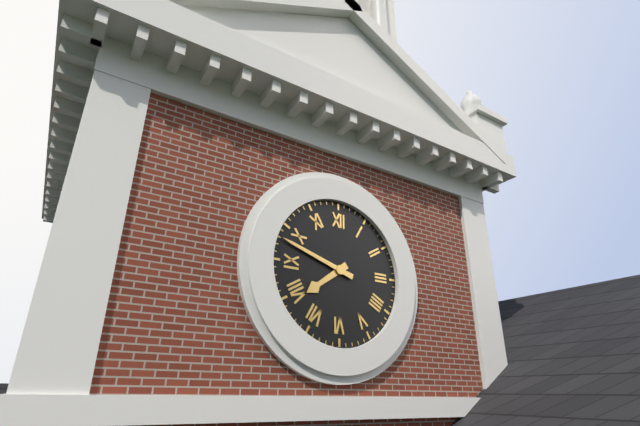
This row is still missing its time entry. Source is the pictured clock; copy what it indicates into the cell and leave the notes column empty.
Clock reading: 7:48
